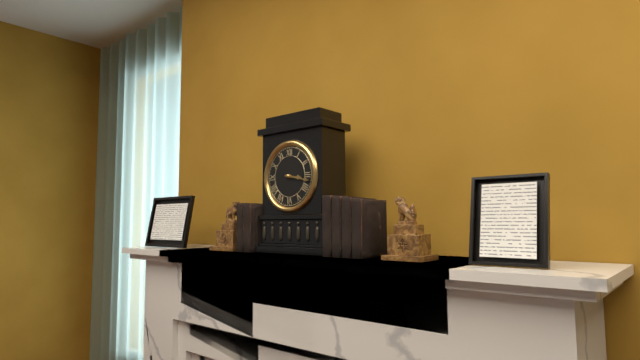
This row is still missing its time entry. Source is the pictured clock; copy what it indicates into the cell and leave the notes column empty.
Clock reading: 3:17
